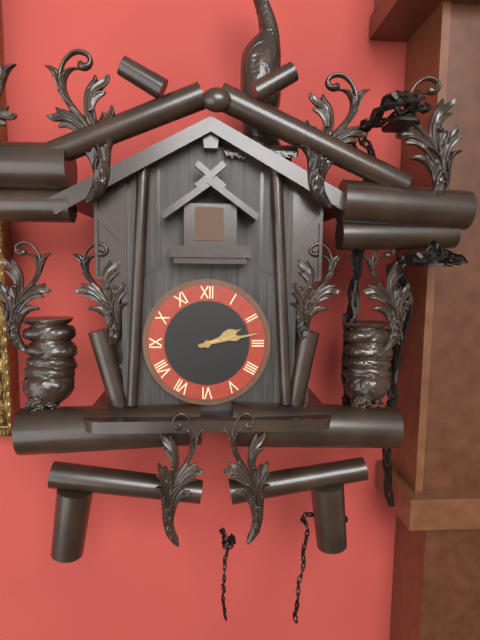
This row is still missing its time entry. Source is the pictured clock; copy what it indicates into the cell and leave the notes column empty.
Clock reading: 2:13
